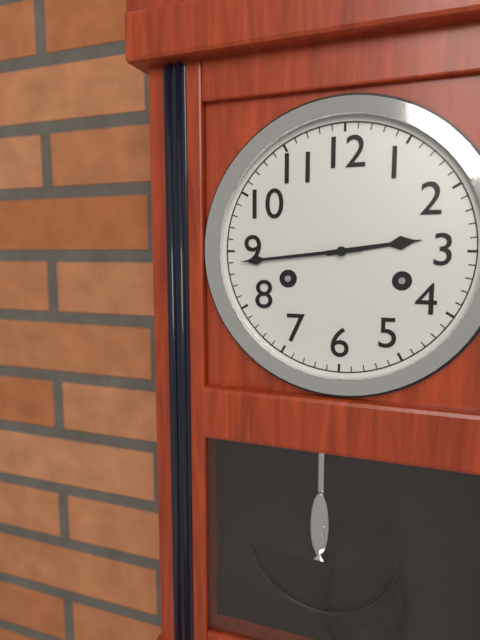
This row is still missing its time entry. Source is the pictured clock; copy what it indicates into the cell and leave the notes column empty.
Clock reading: 2:44
